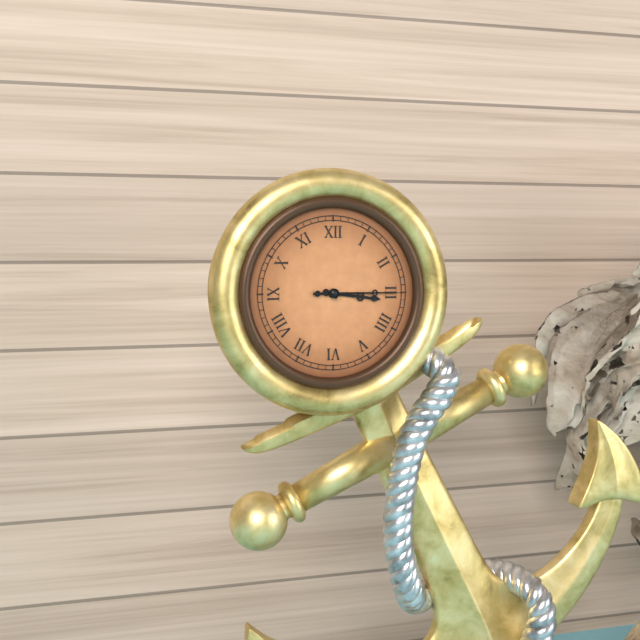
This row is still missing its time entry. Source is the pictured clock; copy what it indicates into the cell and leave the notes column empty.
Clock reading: 3:15
